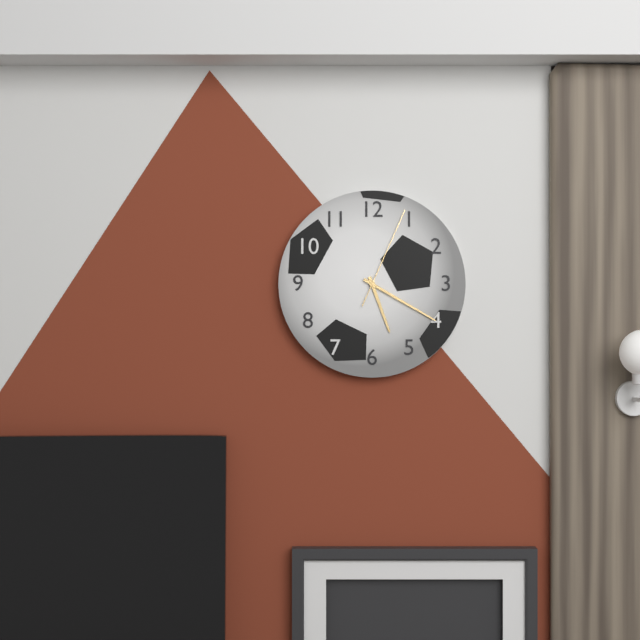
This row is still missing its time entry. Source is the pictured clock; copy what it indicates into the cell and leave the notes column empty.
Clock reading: 5:20:04
